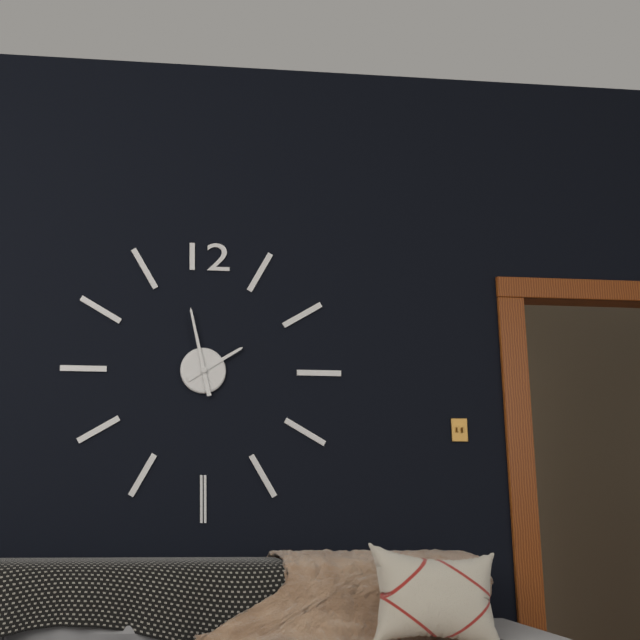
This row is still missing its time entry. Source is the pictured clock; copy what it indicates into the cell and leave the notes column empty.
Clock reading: 1:58
